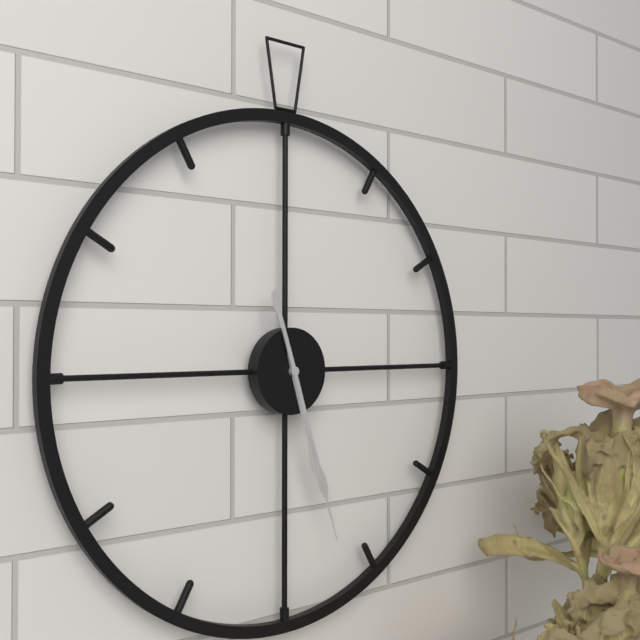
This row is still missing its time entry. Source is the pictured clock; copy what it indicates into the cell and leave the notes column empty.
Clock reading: 5:27
